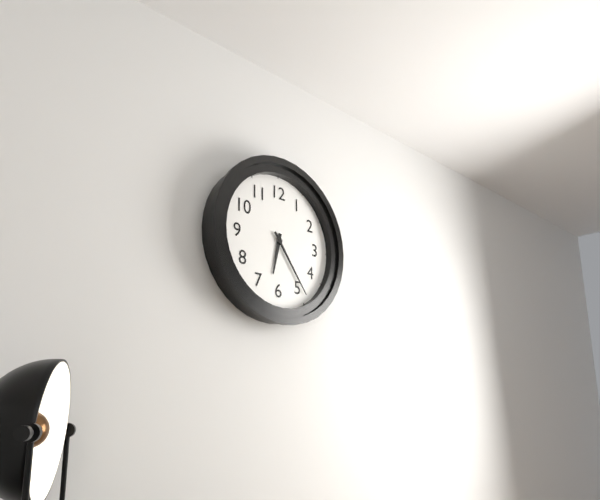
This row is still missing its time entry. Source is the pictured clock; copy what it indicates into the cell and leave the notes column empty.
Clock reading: 6:24
